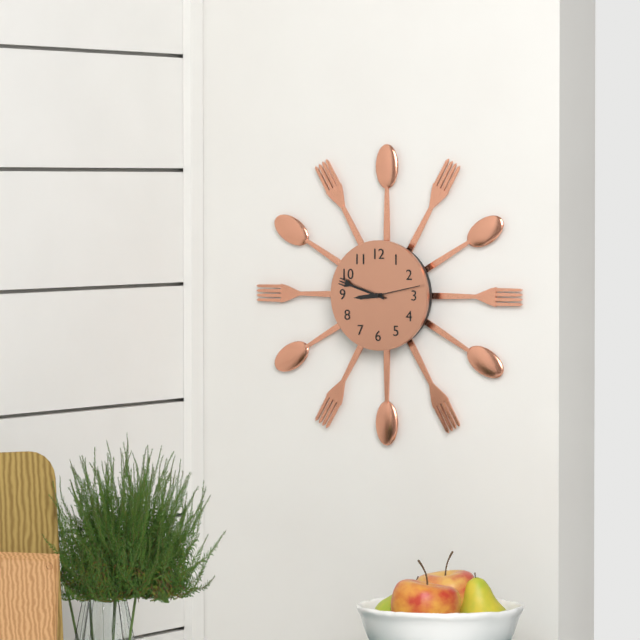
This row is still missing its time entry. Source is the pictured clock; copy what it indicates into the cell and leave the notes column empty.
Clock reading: 8:48
